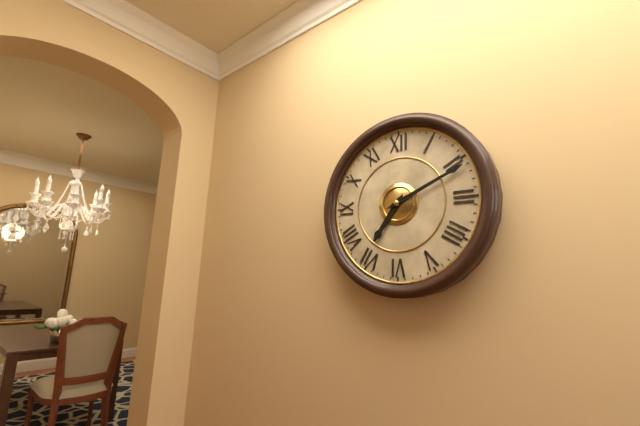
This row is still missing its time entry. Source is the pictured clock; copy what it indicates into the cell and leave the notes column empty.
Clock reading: 7:11
